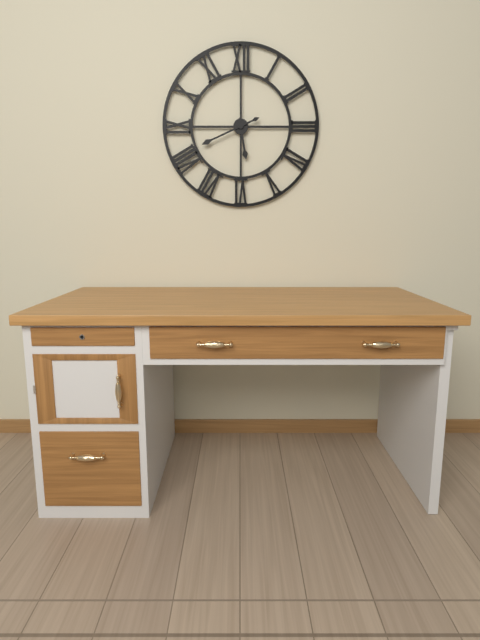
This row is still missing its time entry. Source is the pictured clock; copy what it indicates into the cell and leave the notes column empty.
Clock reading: 5:41
